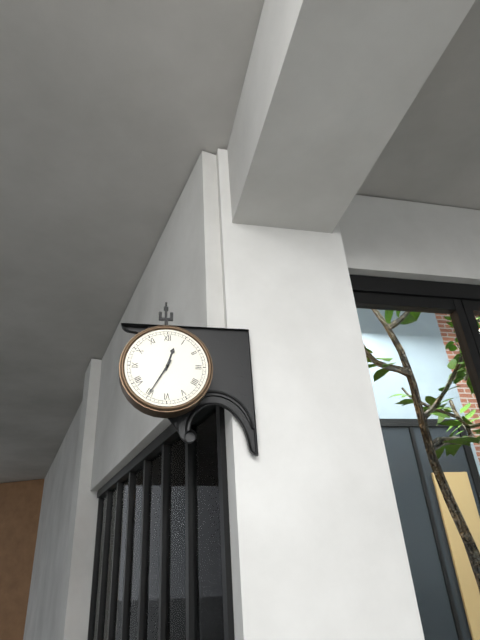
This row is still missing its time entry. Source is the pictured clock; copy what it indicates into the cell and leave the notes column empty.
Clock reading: 12:35
